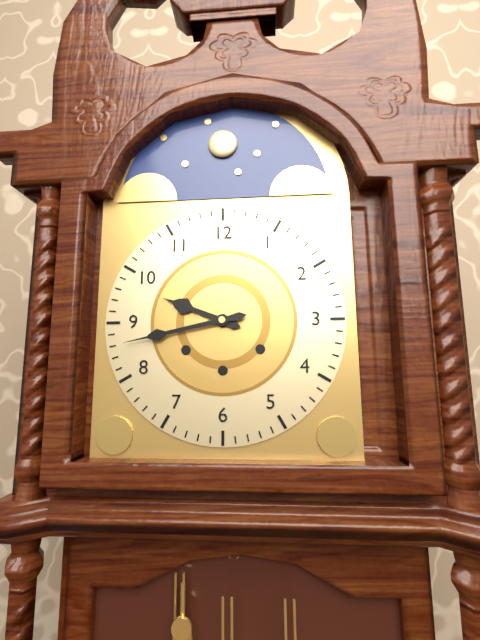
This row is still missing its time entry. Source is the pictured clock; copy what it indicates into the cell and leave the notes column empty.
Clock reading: 9:43
